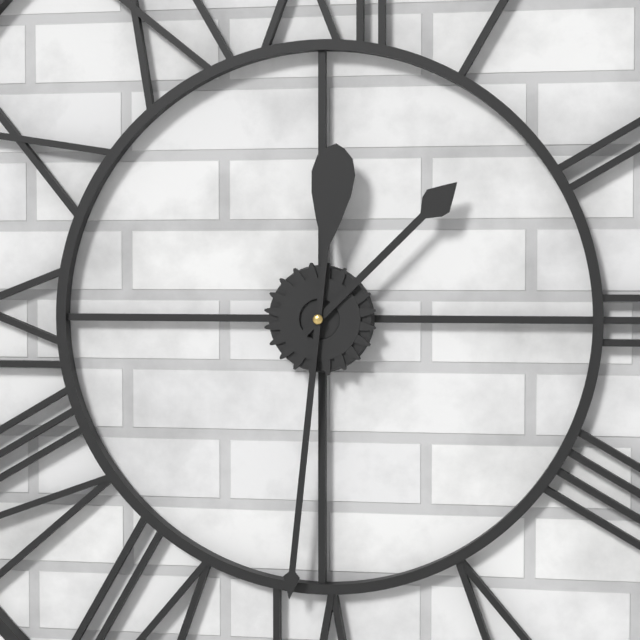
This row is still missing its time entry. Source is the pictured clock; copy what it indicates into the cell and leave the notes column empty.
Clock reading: 1:31
